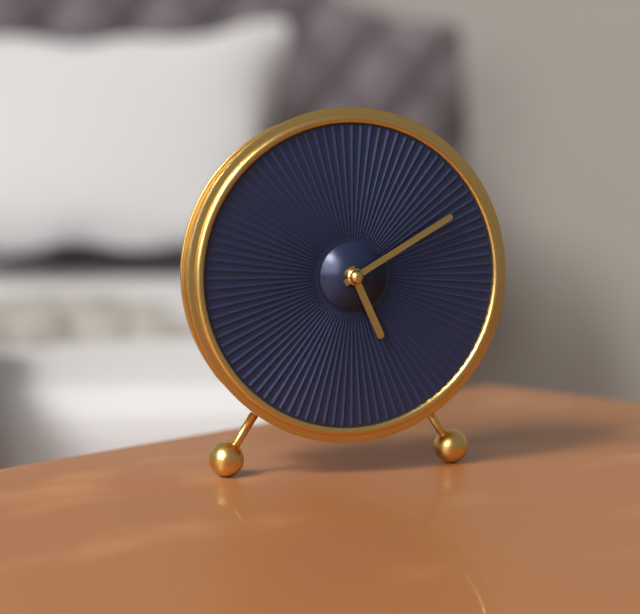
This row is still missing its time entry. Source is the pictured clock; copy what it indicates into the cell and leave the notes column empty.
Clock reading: 5:10
